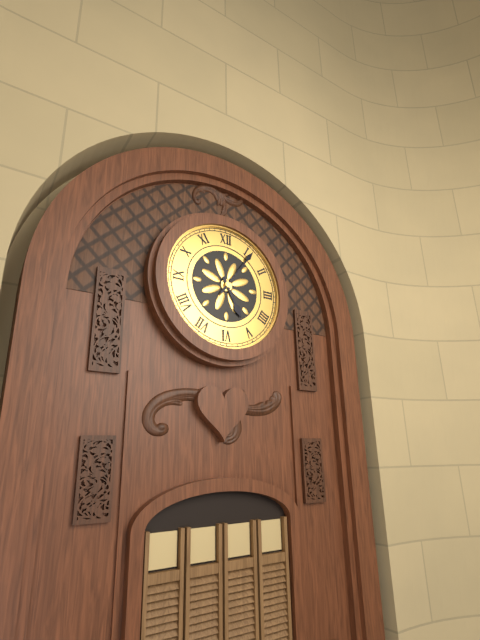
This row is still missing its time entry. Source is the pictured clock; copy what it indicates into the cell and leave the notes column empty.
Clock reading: 5:06
